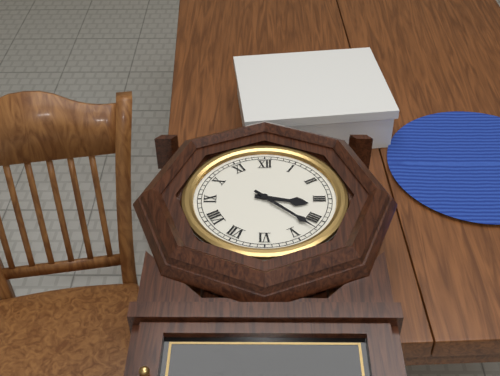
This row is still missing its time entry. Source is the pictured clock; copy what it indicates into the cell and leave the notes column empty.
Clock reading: 3:22
